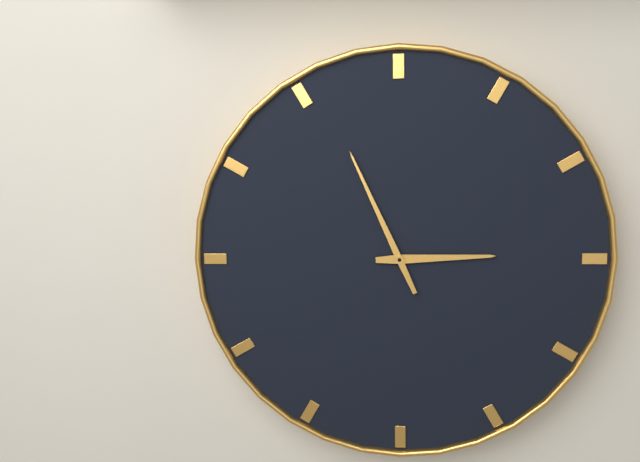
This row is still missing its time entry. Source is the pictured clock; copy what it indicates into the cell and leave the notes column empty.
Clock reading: 2:56
